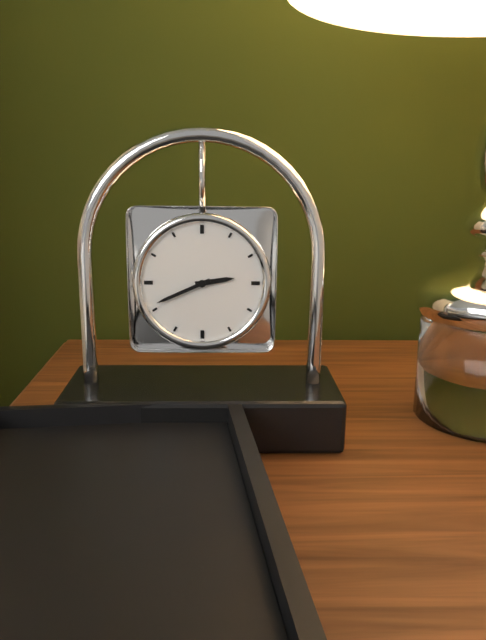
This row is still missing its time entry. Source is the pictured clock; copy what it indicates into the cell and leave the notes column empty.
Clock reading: 2:41
